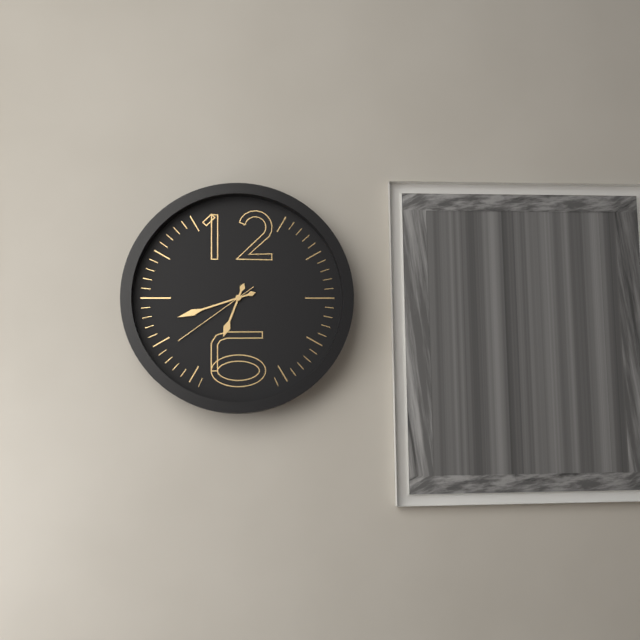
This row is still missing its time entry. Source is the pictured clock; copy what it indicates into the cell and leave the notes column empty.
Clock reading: 6:42:39
